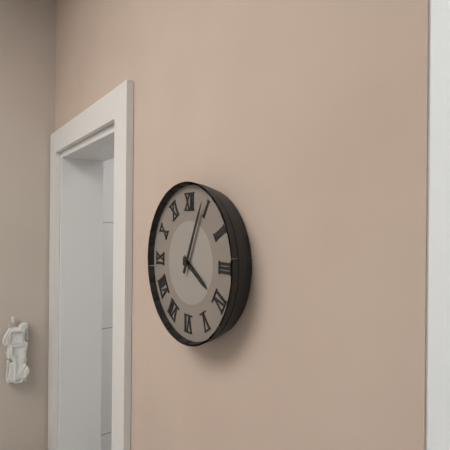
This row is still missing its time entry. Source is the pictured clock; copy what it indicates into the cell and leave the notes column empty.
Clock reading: 4:04
